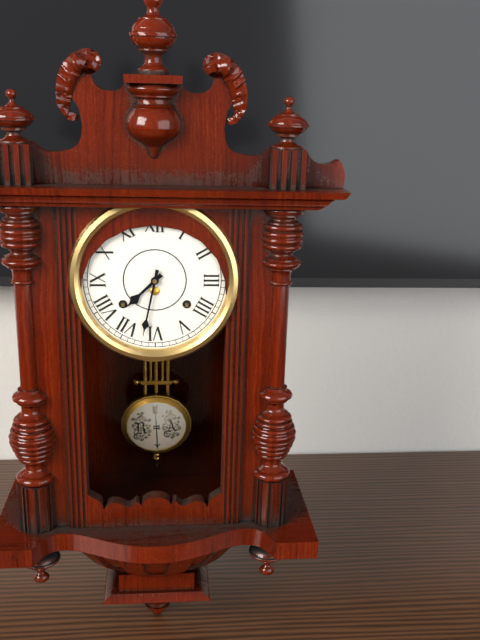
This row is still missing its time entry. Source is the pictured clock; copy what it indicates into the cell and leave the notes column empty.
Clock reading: 7:32
